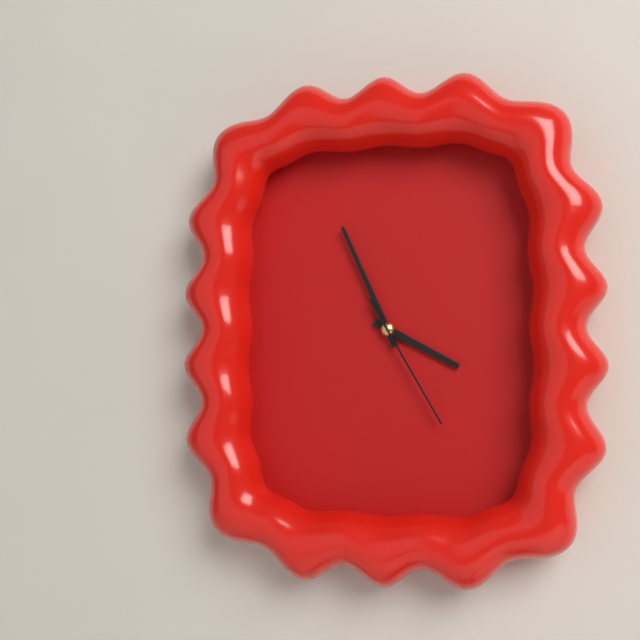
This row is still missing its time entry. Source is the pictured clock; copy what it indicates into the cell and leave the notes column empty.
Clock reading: 3:56:25
